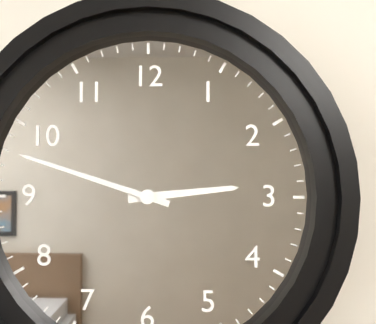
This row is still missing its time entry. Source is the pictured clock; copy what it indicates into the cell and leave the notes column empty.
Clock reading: 2:48
